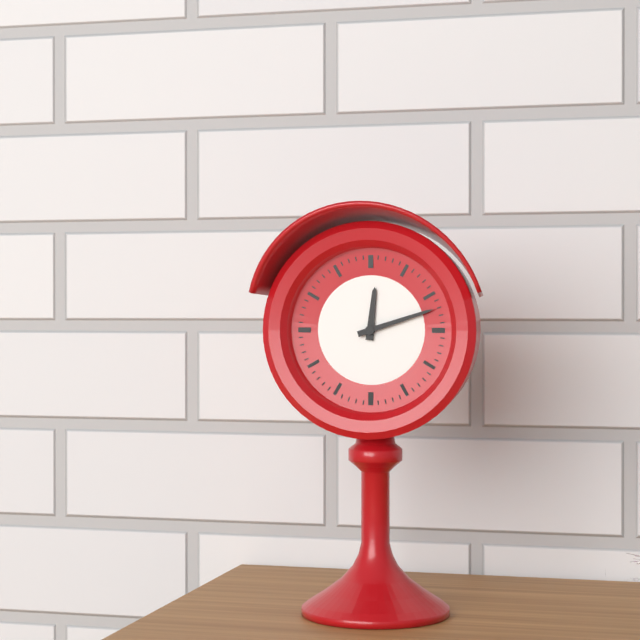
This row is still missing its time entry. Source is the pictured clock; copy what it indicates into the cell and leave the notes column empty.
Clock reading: 12:12
